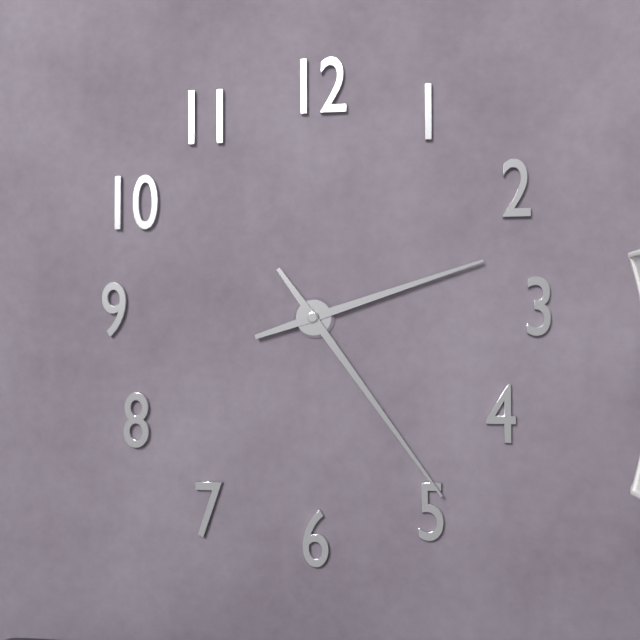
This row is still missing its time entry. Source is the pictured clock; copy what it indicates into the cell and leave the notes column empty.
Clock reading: 2:24
